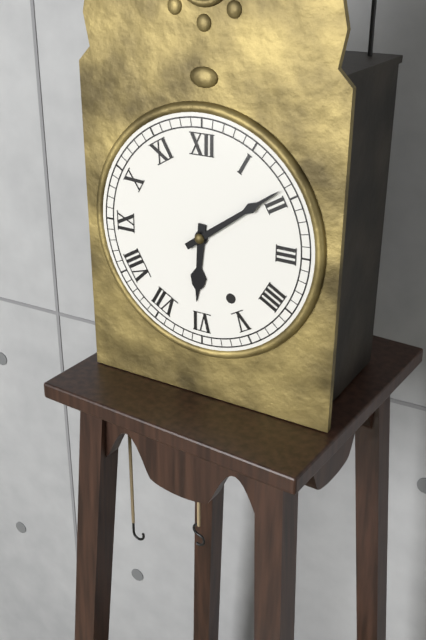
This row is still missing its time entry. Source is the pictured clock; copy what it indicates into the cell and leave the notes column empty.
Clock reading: 6:09
